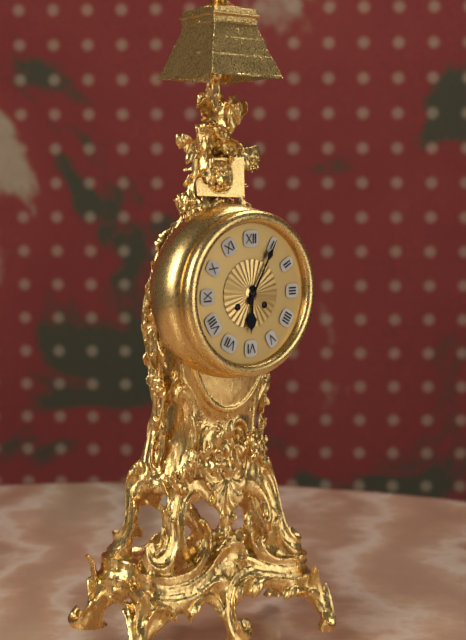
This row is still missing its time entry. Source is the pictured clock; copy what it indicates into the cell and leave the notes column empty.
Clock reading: 6:05
